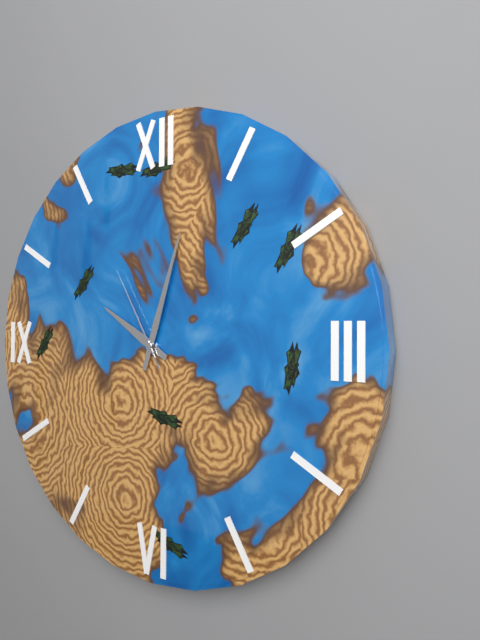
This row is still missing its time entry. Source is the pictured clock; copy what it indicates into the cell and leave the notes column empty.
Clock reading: 10:03:55
